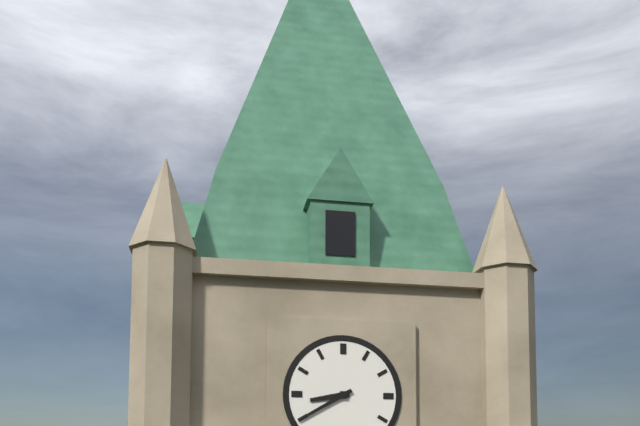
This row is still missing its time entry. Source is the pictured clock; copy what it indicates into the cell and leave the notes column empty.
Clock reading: 8:40
